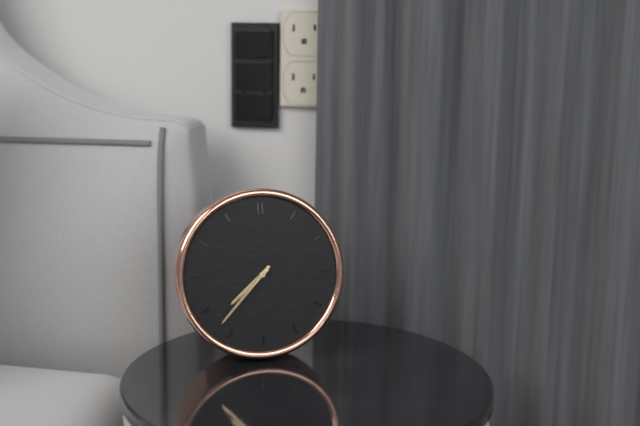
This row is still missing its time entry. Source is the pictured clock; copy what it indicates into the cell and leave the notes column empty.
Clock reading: 7:37
